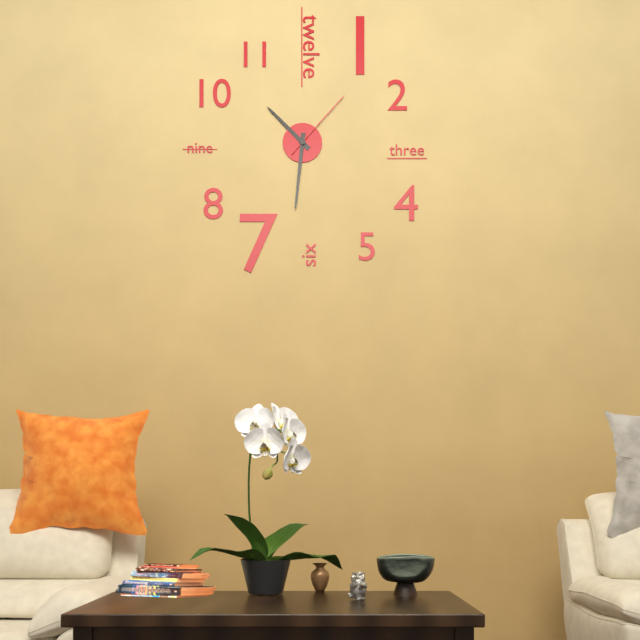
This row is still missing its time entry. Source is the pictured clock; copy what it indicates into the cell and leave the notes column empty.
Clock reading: 10:31:07
